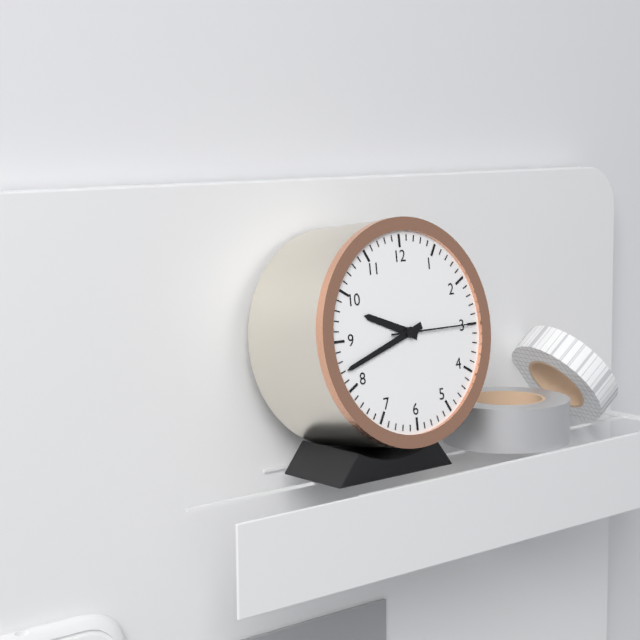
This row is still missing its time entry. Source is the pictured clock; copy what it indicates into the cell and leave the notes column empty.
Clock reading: 9:42:15
